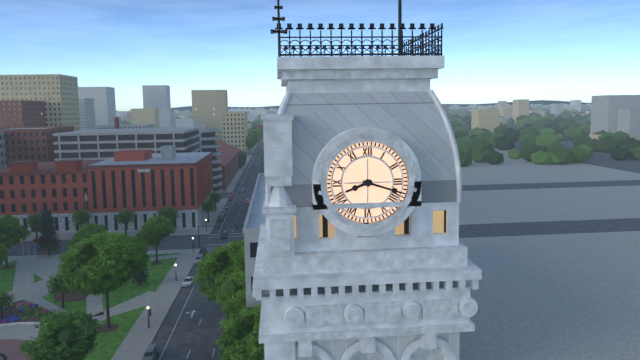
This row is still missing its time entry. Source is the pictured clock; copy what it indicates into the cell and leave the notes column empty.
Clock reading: 8:18
